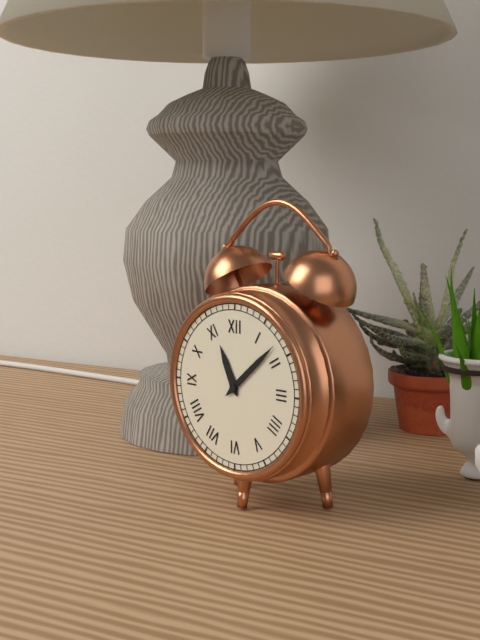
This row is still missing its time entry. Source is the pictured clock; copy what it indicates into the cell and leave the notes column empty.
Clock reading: 11:08
